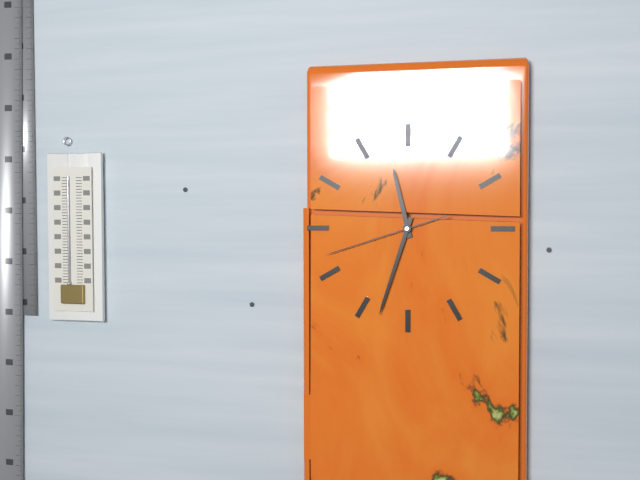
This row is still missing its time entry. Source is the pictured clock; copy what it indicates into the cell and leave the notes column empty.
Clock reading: 11:33:42
